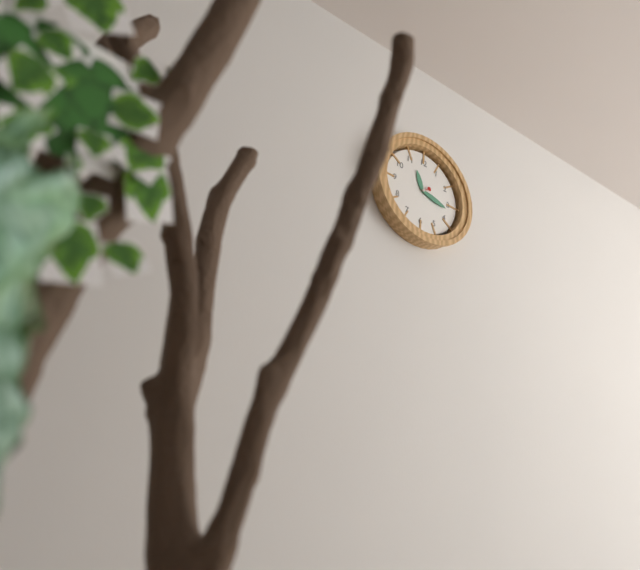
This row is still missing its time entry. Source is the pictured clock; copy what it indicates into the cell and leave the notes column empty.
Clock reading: 11:17
